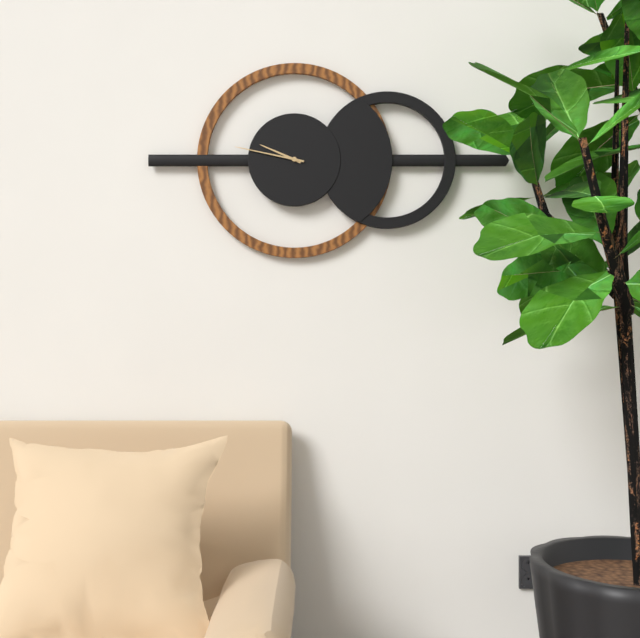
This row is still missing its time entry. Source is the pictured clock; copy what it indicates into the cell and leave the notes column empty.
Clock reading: 9:47
